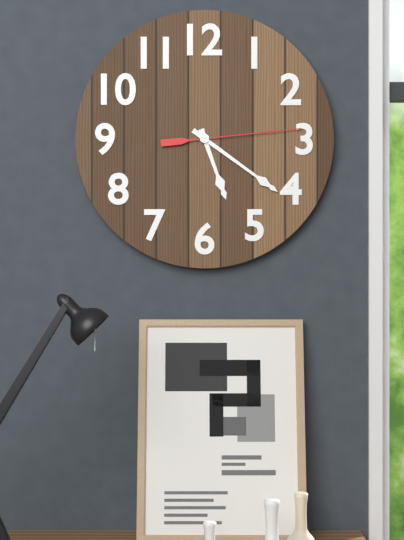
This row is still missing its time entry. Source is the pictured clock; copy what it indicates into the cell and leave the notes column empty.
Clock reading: 5:21:14
